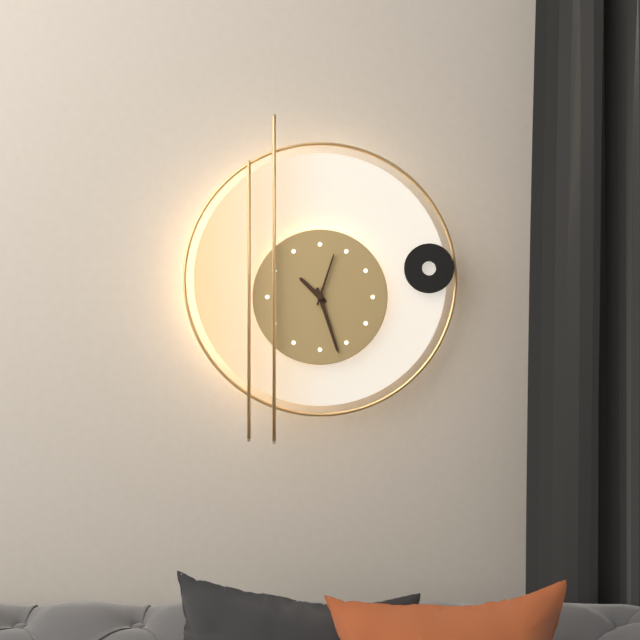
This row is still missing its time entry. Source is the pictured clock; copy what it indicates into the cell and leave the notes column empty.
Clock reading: 10:27:03
